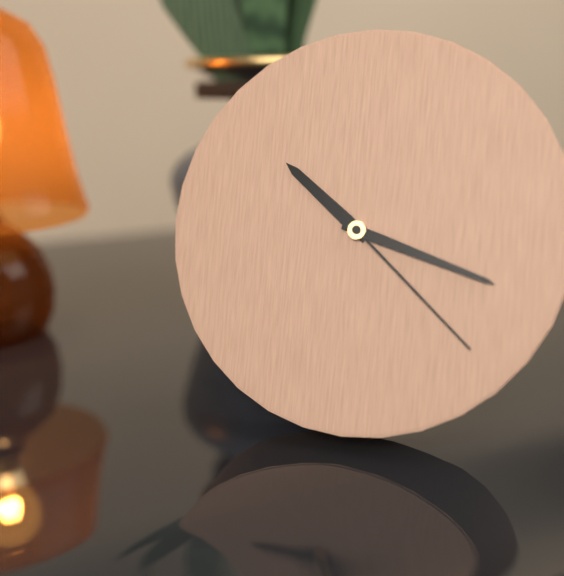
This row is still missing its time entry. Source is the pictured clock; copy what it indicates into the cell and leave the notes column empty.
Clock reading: 10:18:22
